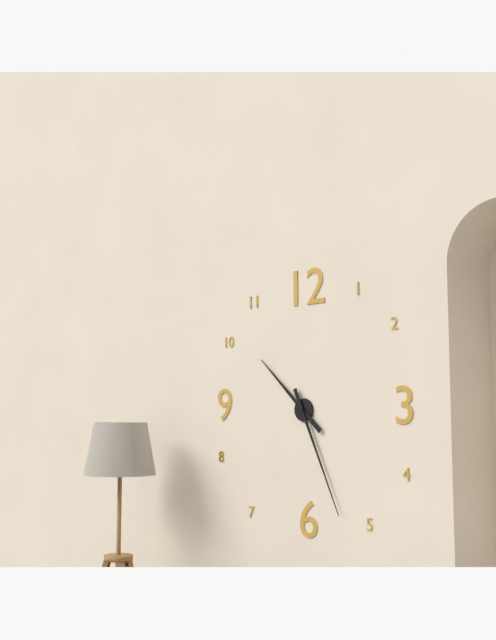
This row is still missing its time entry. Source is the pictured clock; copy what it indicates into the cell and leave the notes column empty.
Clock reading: 10:26
